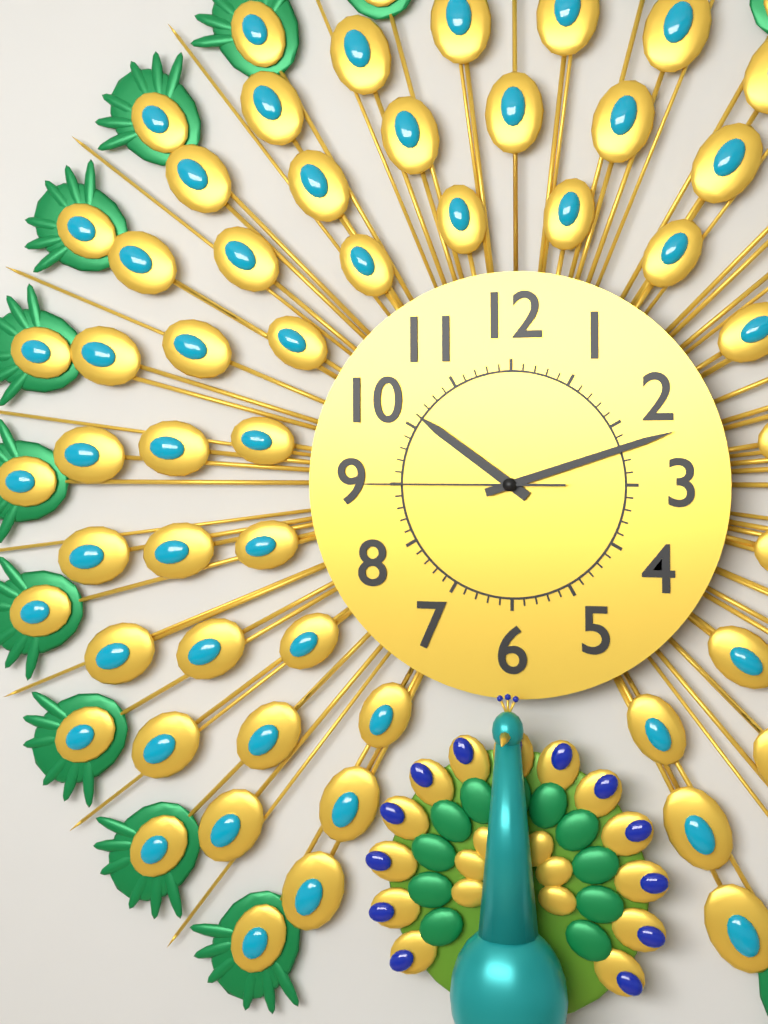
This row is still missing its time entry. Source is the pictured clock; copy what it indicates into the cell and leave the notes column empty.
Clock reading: 10:12:45
